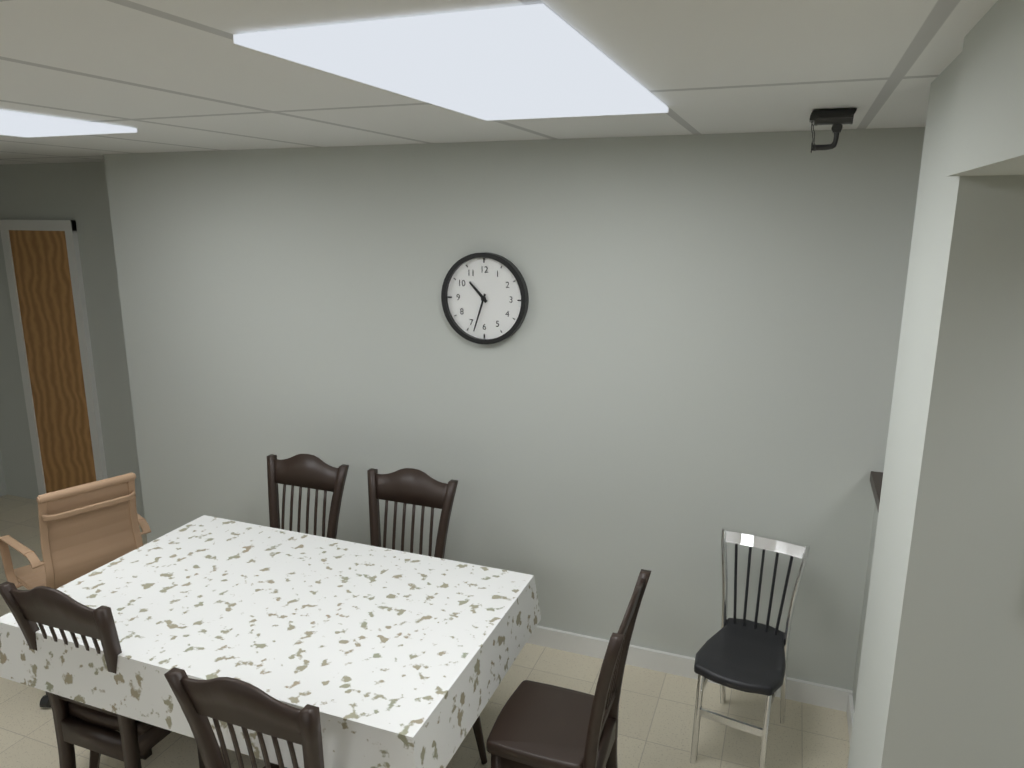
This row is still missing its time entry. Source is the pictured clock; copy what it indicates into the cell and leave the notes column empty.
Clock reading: 10:33
